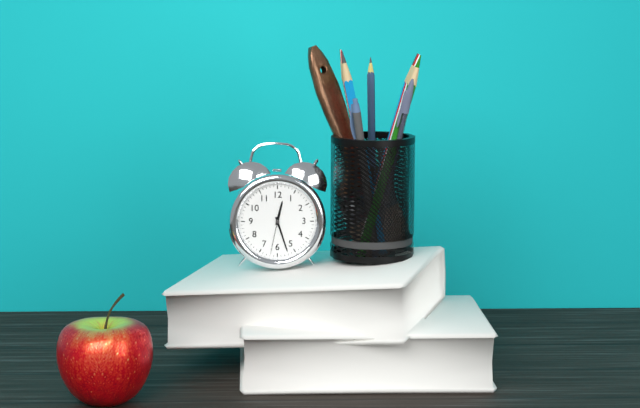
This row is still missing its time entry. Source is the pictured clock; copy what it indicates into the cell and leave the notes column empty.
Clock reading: 12:27
